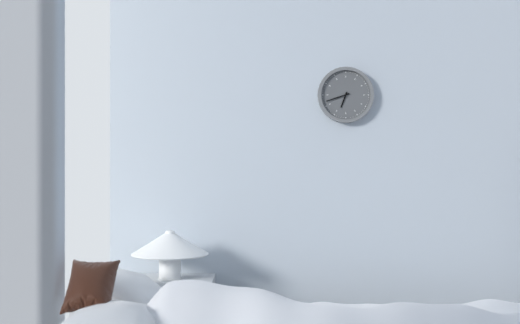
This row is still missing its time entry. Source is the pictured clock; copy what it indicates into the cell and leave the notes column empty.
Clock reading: 6:42
